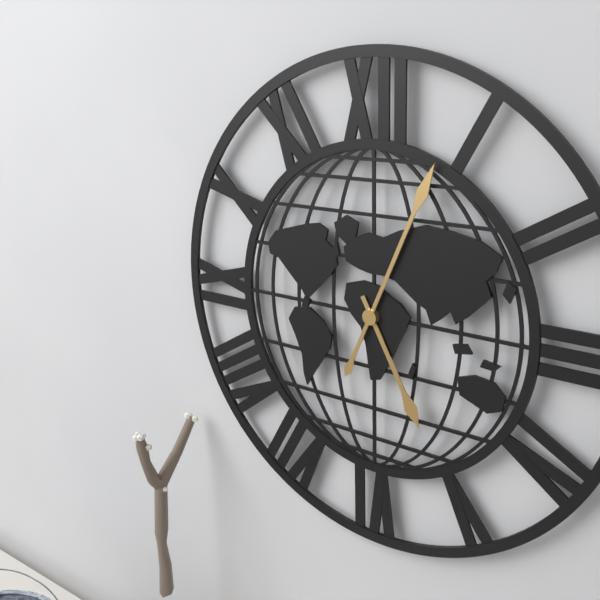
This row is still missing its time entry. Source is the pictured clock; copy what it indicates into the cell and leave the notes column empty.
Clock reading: 5:04
